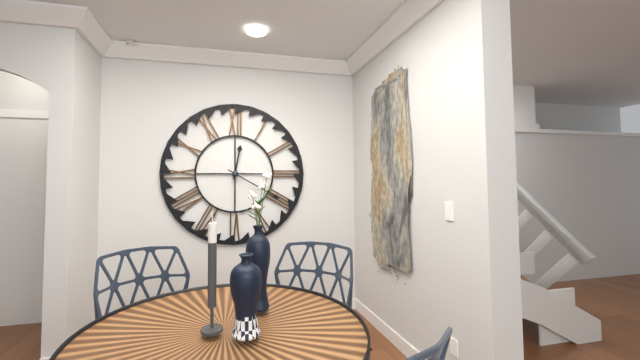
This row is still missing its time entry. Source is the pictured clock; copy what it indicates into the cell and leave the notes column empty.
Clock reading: 12:20
